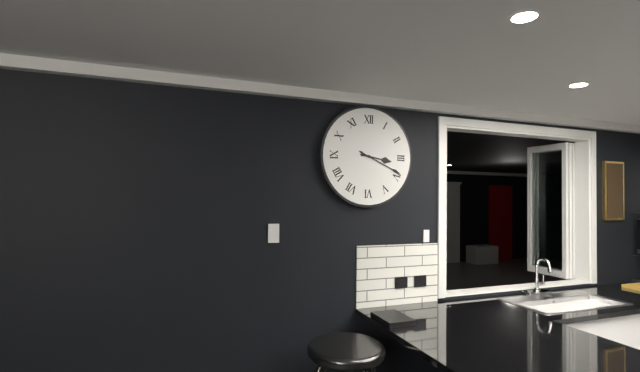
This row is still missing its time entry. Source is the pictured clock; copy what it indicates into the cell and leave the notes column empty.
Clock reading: 3:19
